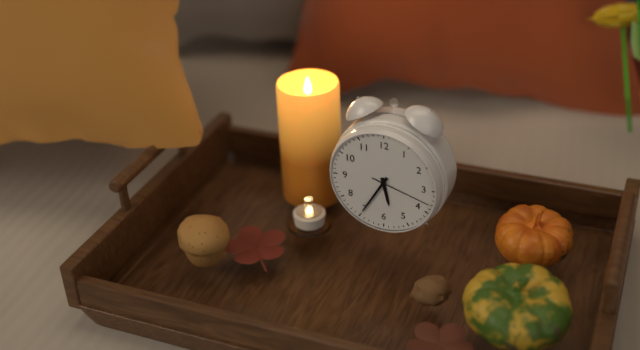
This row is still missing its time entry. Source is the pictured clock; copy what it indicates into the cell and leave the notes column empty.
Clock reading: 5:35:18
